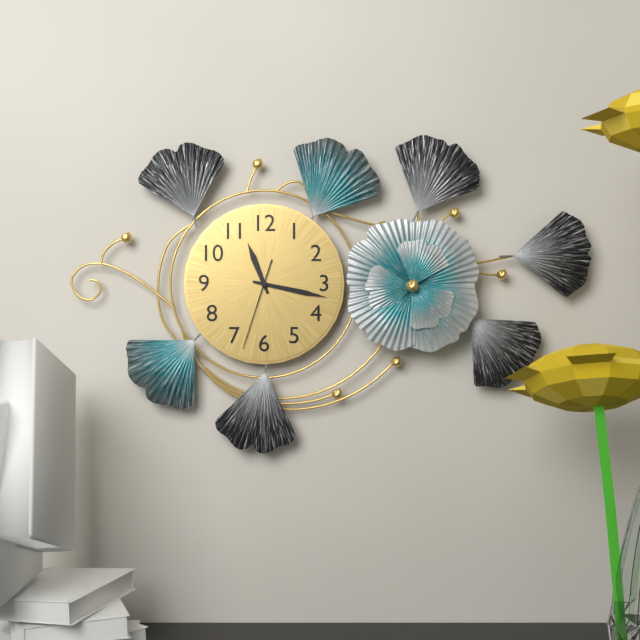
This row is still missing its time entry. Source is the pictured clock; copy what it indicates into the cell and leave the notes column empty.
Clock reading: 11:17:33
